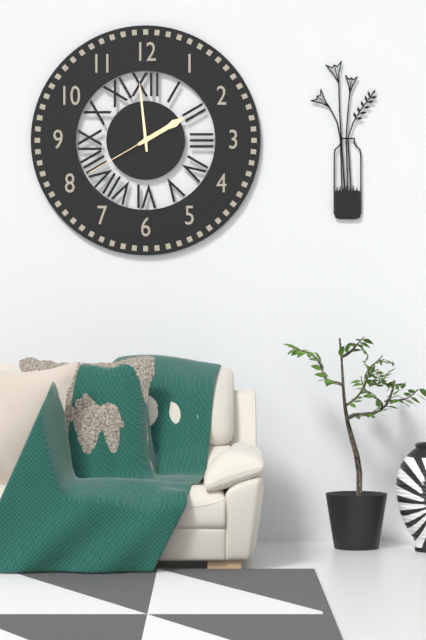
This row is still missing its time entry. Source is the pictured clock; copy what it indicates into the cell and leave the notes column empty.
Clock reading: 1:59:40
